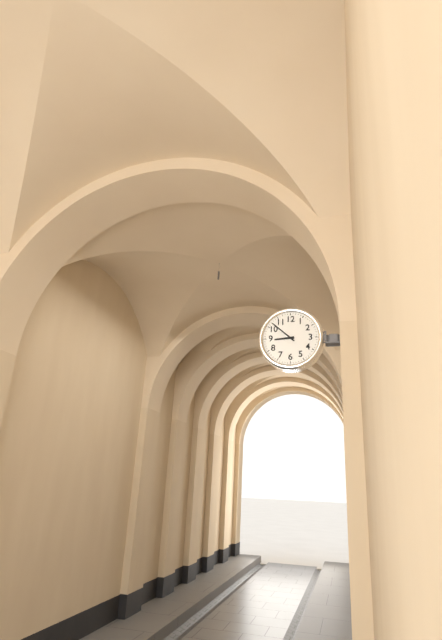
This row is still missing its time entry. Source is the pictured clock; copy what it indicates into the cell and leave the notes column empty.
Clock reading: 8:52
